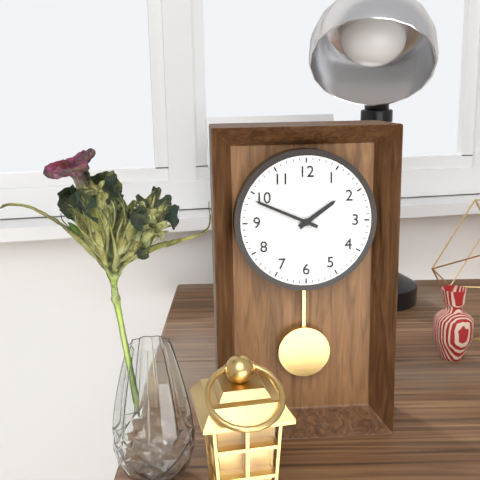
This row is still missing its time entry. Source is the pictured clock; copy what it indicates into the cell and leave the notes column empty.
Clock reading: 1:49
